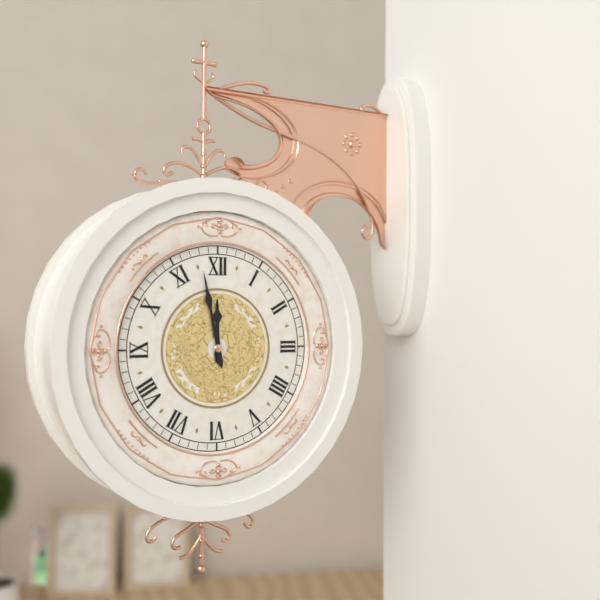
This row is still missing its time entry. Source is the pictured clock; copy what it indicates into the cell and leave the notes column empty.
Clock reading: 11:58
